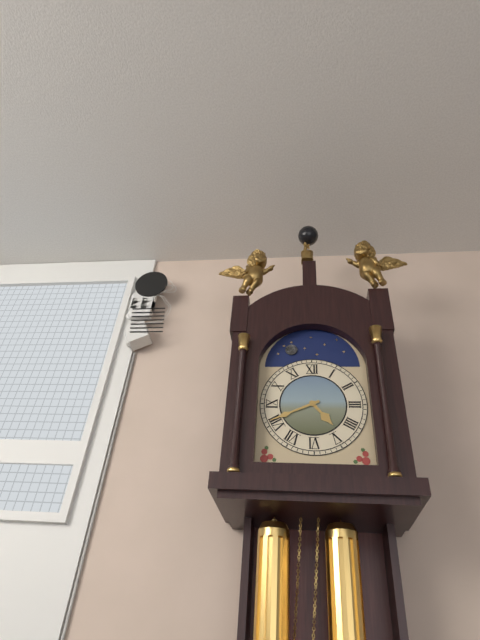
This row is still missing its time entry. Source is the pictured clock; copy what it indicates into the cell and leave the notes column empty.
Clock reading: 4:41
